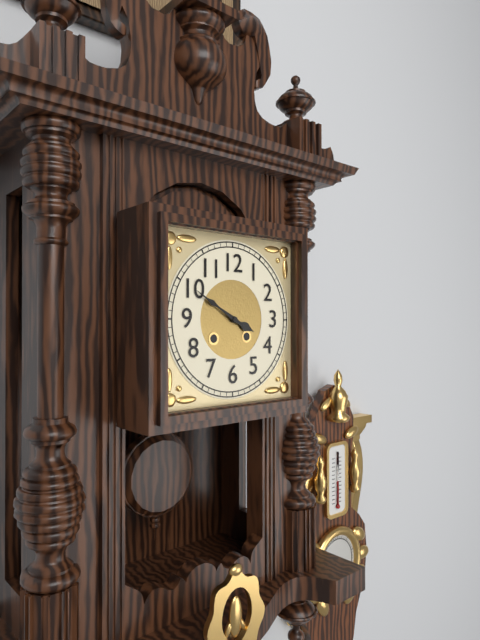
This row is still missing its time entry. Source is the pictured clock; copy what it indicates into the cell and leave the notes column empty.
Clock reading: 3:50
